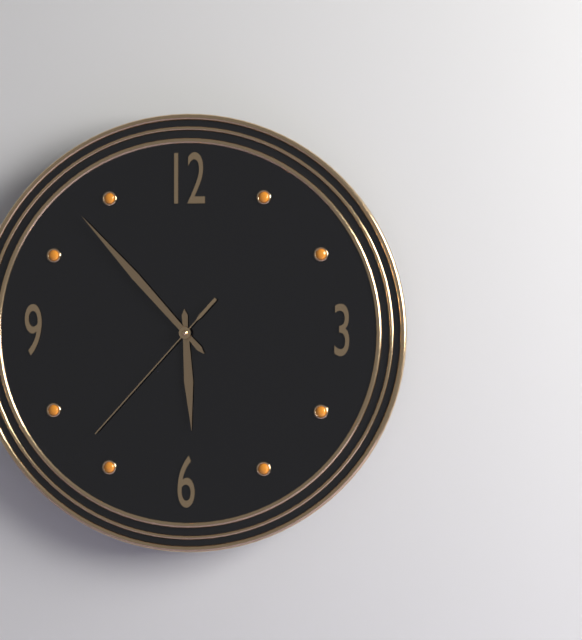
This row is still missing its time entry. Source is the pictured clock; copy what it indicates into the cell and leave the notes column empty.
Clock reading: 5:53:37
